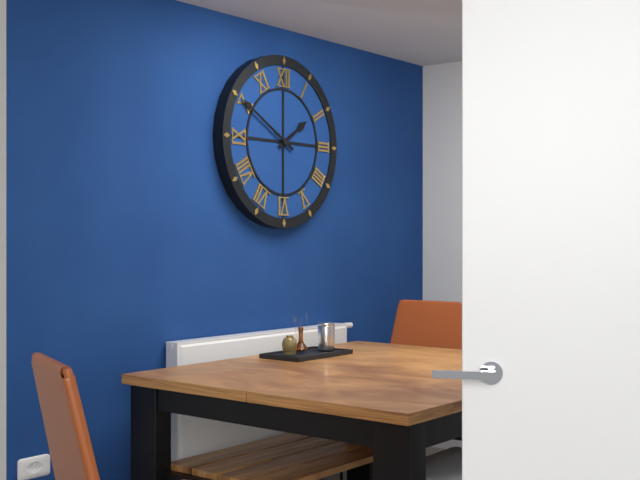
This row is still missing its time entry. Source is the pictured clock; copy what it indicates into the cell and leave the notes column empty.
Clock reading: 1:50
